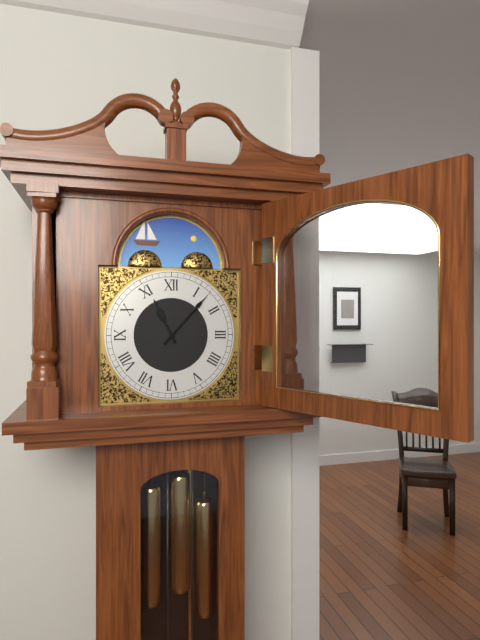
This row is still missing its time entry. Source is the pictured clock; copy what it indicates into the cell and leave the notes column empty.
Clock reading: 11:07
